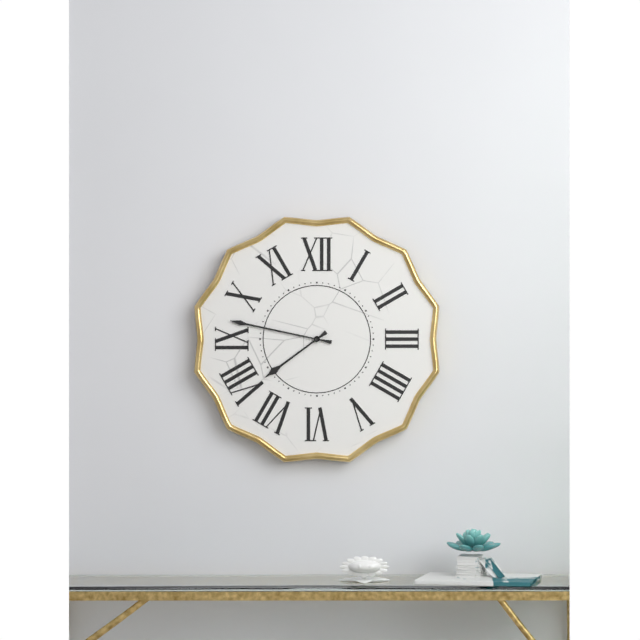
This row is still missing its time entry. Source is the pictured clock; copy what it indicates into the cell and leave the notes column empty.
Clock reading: 7:47
